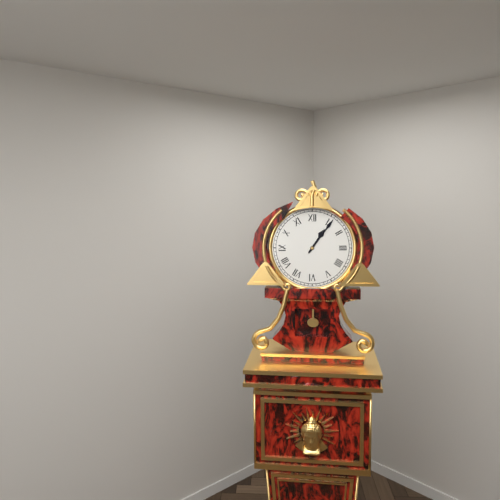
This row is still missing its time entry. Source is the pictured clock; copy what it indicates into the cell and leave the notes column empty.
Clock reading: 1:06
